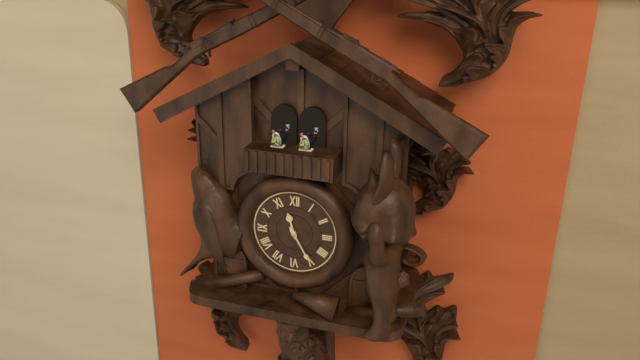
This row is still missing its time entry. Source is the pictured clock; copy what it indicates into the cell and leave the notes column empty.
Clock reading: 11:25
